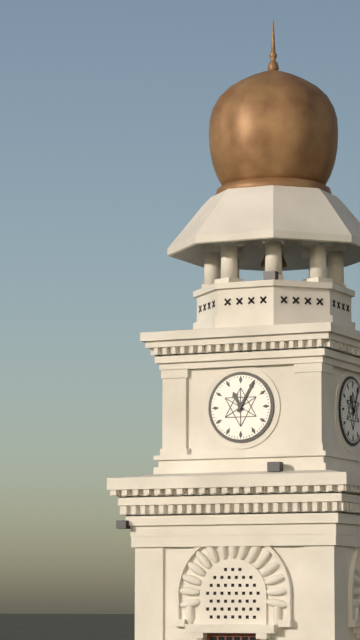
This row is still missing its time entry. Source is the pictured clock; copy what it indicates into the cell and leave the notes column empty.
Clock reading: 11:05
